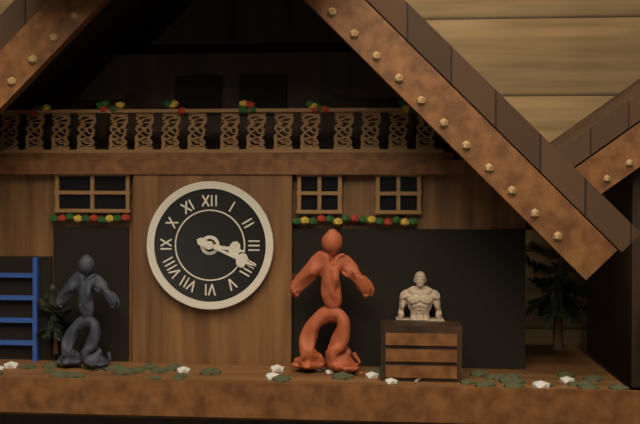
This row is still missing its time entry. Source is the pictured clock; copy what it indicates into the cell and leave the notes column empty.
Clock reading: 3:19
